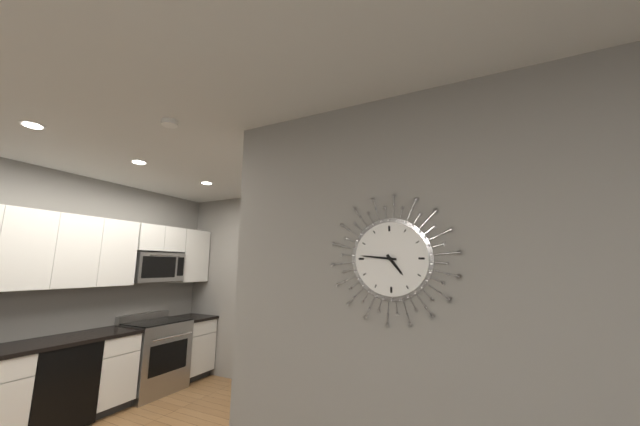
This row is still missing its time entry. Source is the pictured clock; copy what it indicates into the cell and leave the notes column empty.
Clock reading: 4:46
